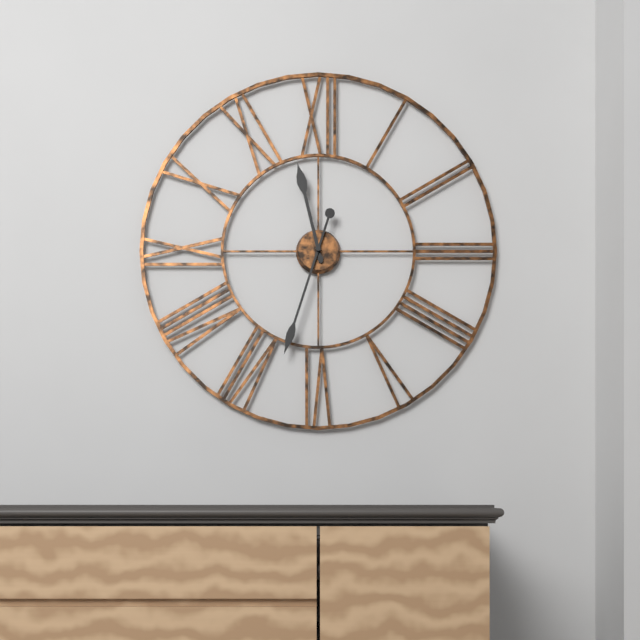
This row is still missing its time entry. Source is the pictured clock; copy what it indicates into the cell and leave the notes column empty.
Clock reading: 11:33
